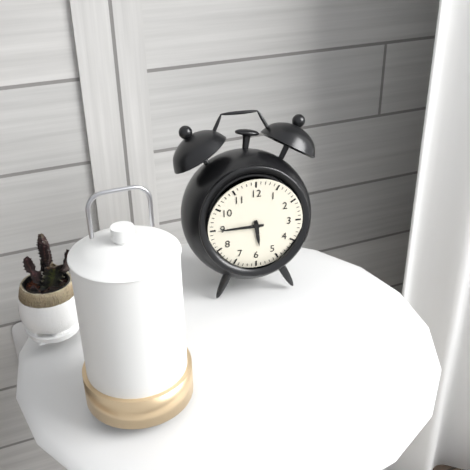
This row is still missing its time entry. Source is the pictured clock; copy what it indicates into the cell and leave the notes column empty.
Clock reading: 5:45
